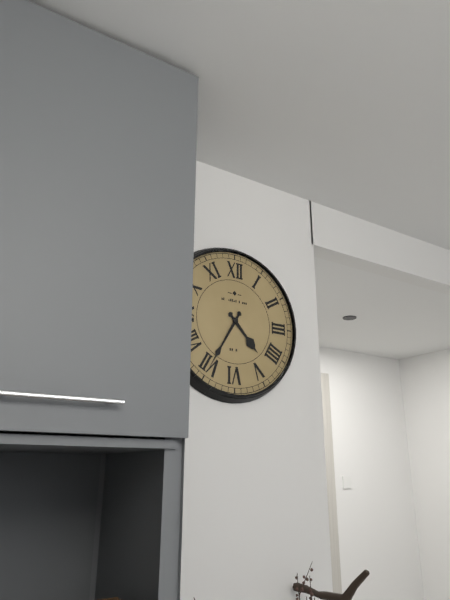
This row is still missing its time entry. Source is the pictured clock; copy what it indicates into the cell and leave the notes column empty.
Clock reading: 4:35
